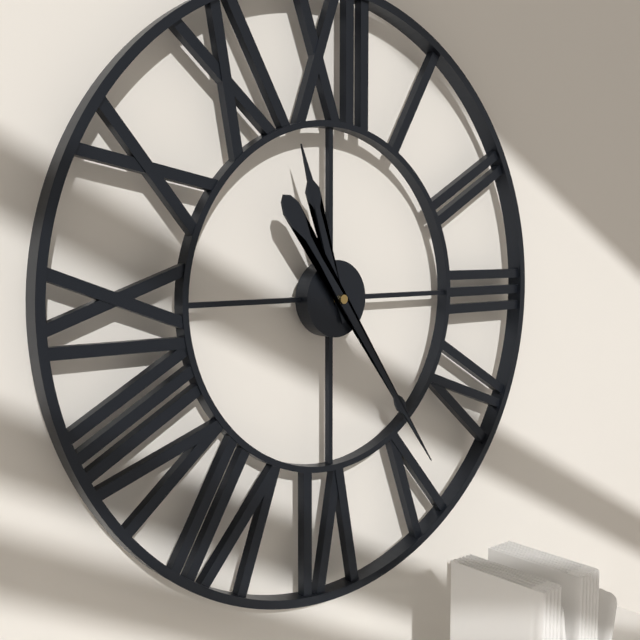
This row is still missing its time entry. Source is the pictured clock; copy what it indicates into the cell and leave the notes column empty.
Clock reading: 11:24
